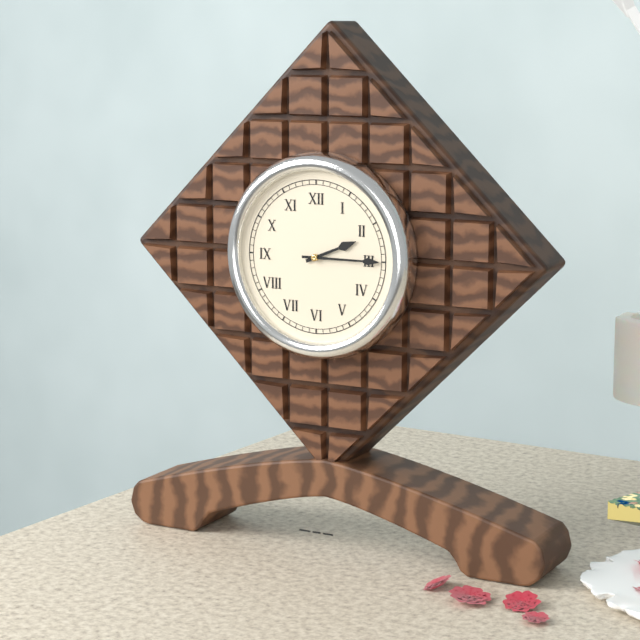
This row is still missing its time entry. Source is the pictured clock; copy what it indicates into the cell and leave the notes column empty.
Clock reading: 2:15
